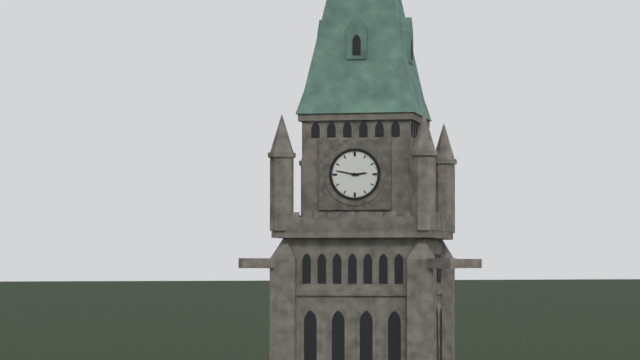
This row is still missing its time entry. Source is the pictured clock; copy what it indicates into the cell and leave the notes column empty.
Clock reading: 2:47
